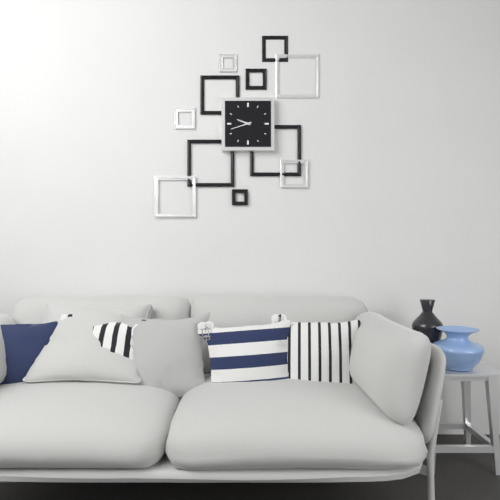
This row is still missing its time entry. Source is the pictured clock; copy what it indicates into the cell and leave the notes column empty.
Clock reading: 9:42
